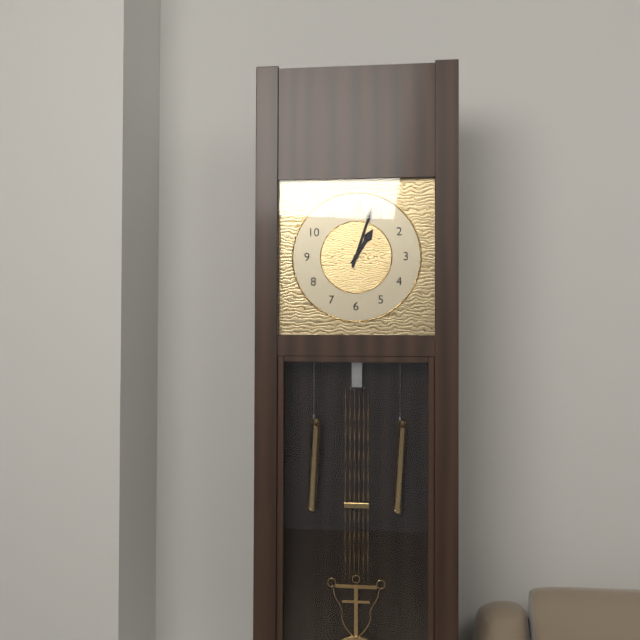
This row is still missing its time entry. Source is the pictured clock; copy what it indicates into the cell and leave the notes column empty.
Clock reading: 1:03
